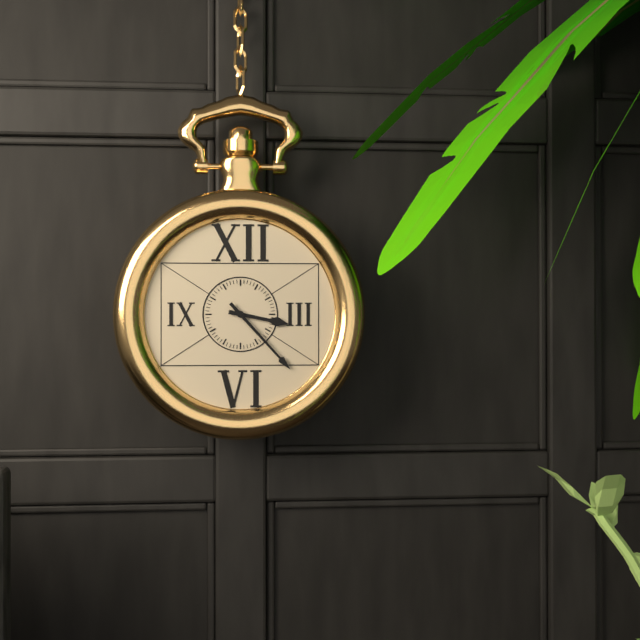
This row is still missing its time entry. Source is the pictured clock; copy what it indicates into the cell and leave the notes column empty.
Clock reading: 3:23
